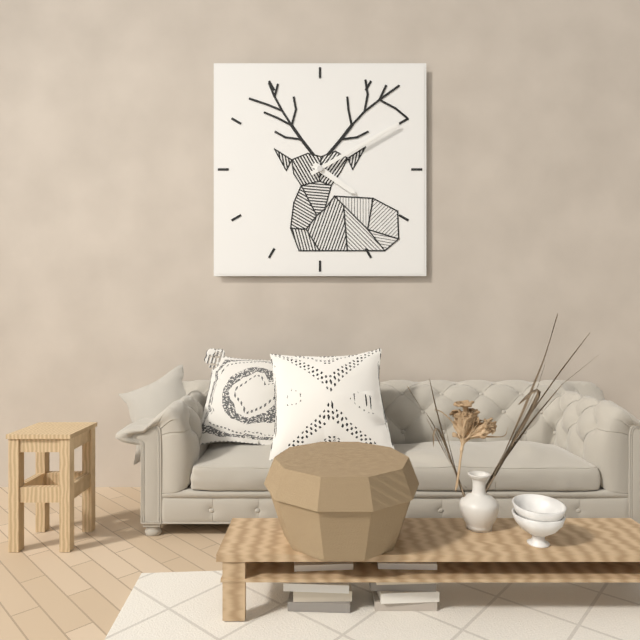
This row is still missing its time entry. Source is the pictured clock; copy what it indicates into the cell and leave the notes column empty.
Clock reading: 4:10
